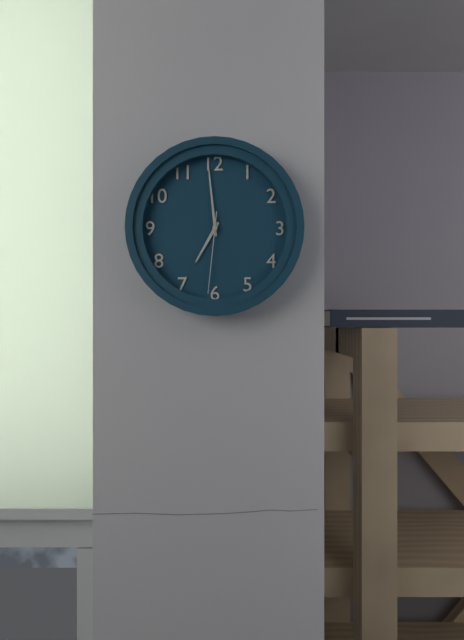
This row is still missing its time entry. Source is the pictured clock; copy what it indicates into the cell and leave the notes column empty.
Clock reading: 6:59:31
